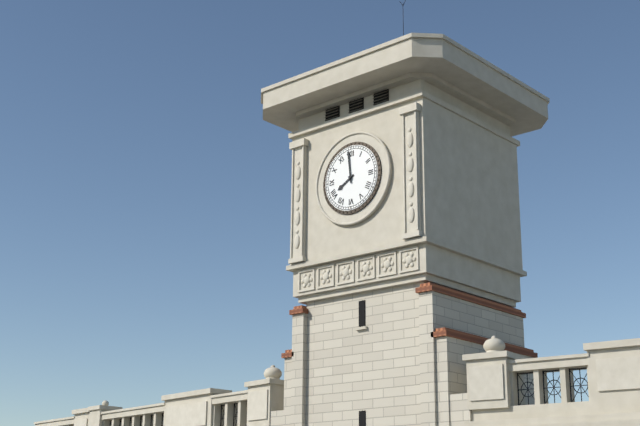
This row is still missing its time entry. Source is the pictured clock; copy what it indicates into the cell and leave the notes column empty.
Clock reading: 7:59
